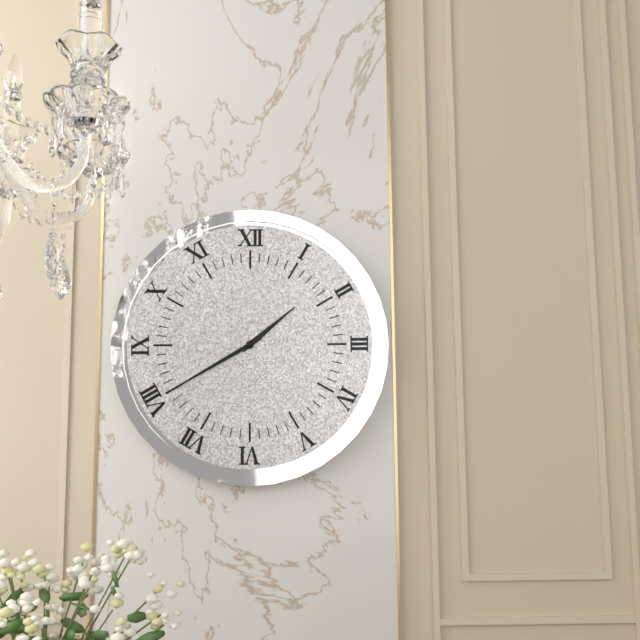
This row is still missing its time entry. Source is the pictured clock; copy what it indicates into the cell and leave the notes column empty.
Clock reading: 1:40
